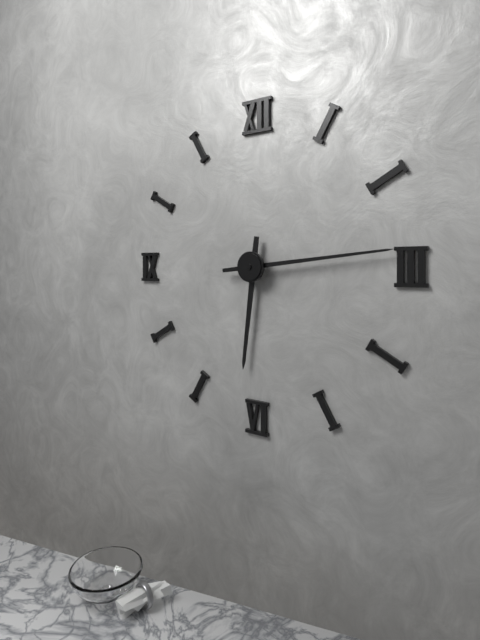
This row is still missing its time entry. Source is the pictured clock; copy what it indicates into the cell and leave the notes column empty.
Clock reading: 6:14
